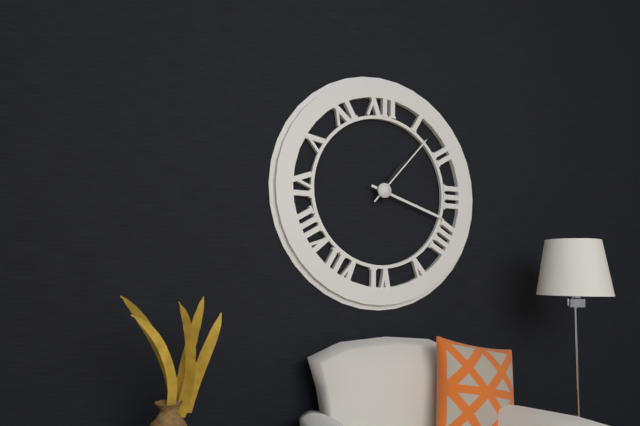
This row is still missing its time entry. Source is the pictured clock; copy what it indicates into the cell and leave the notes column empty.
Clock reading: 1:18:07
